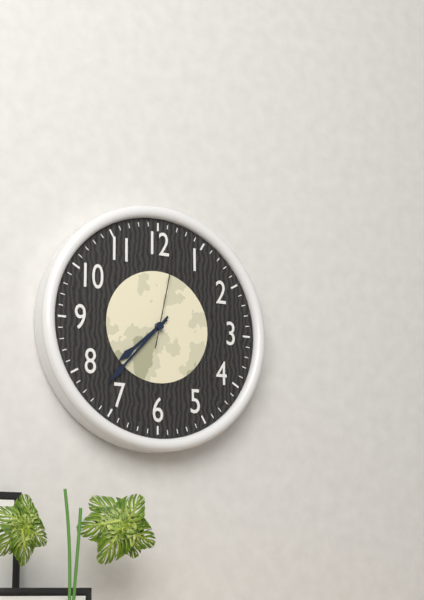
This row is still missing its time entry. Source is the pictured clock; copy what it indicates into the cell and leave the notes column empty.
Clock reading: 7:37:02
